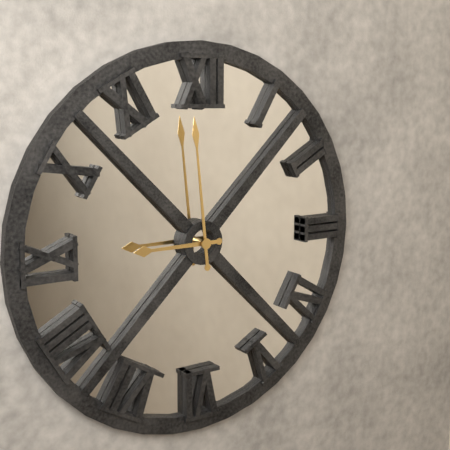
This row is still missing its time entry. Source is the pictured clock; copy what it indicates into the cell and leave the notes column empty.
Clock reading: 8:59
